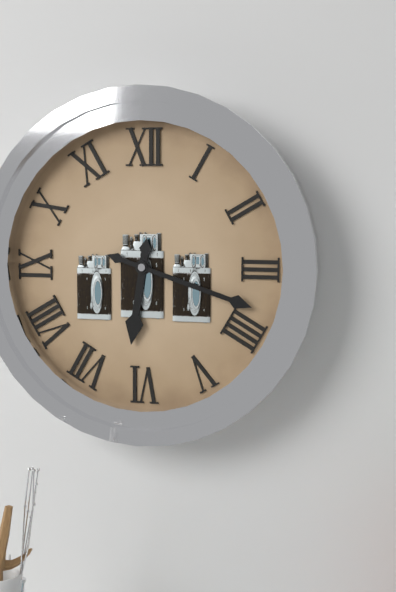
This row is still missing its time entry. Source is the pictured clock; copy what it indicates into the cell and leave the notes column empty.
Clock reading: 6:18
